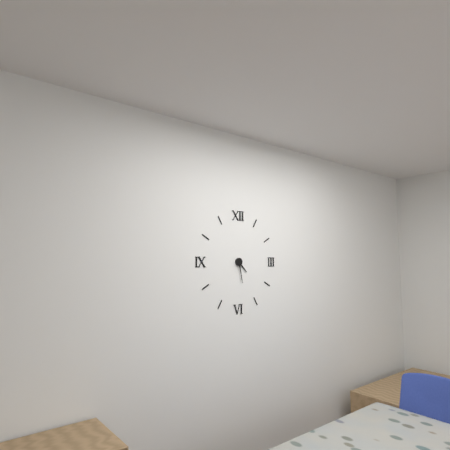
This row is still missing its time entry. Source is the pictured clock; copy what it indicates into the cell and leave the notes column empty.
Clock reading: 4:28
